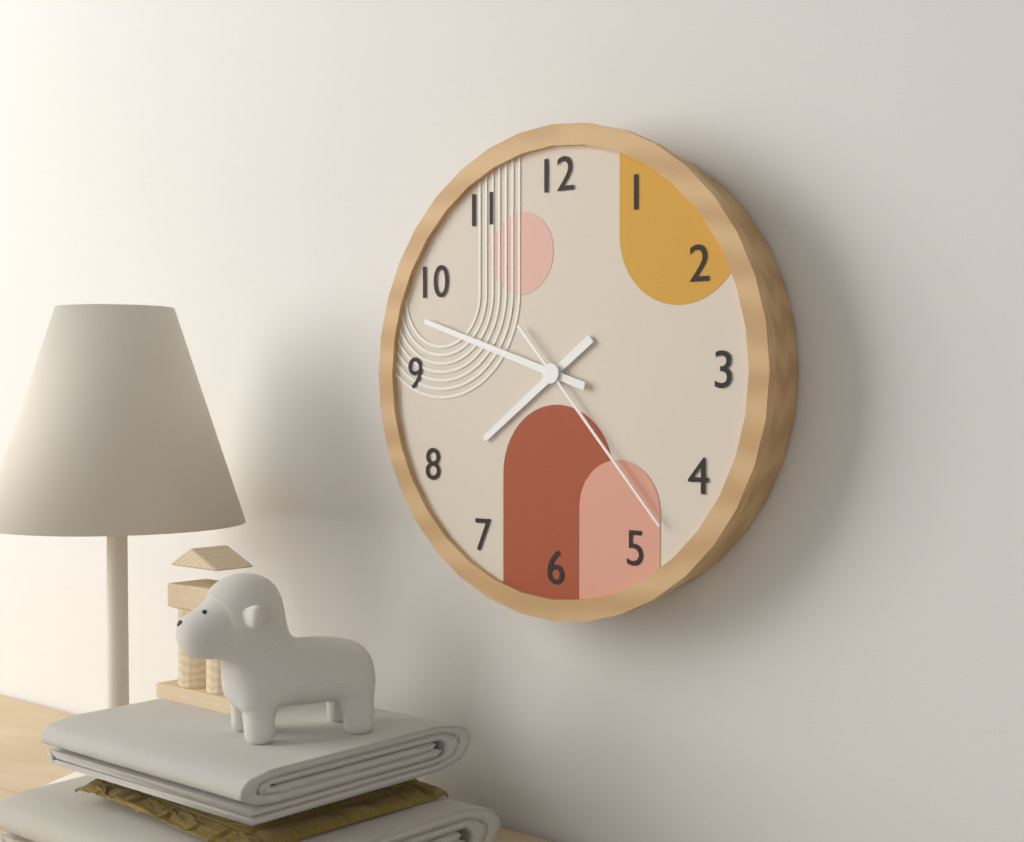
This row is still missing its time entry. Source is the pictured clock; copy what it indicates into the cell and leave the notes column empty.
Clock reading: 7:48:23
